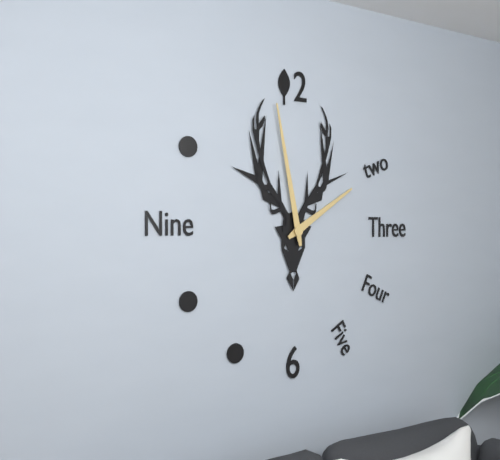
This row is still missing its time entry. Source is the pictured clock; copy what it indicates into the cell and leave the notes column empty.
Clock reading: 1:58
